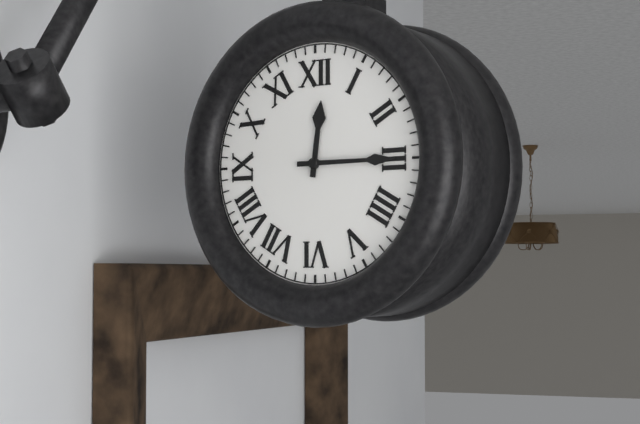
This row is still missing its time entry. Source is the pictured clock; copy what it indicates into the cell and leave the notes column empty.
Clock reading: 12:15
